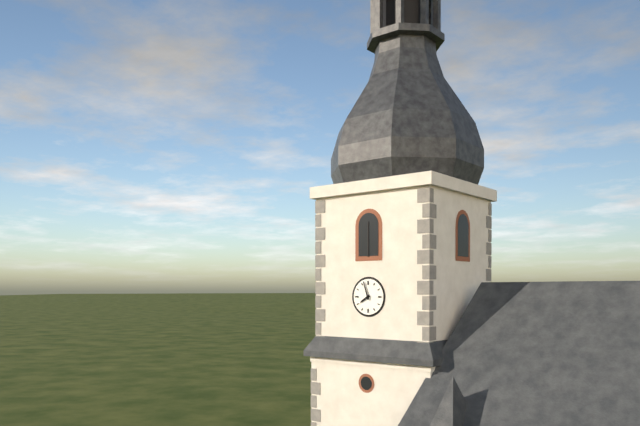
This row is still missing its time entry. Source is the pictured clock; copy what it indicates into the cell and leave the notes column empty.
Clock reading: 7:57
